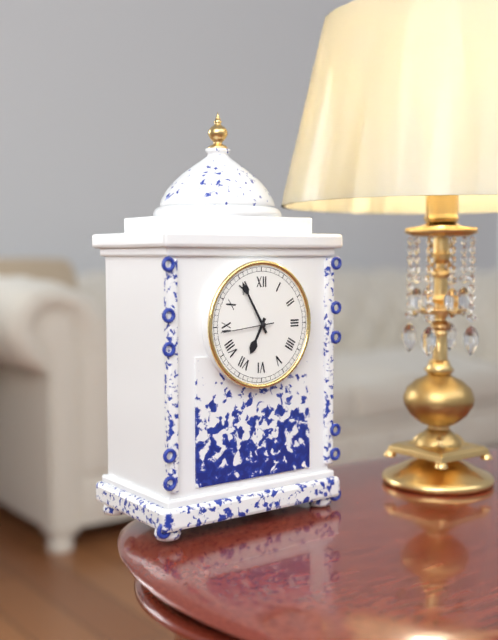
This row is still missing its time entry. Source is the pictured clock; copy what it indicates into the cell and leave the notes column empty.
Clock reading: 6:55:44
